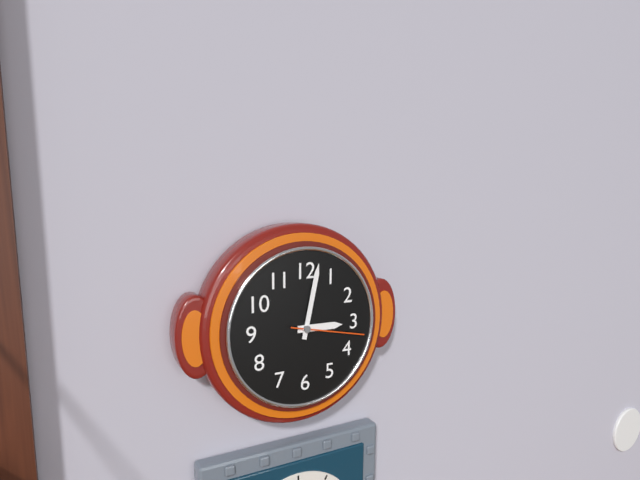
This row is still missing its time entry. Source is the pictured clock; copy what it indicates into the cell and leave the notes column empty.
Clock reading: 3:02:17
